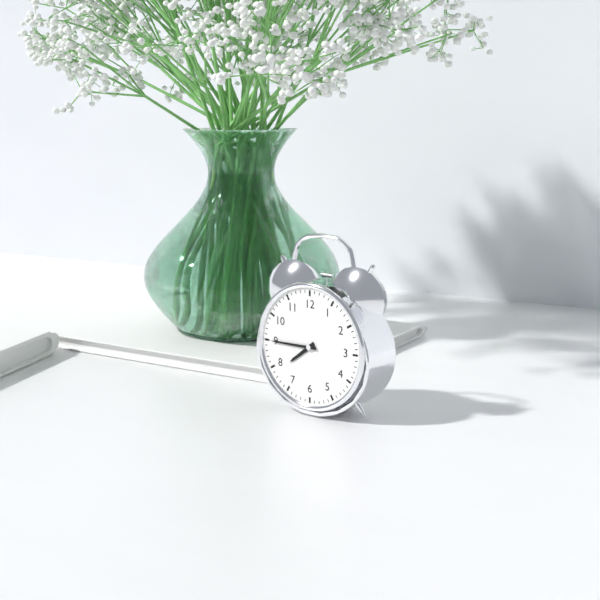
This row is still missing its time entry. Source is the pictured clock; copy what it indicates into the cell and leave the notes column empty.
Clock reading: 7:45
